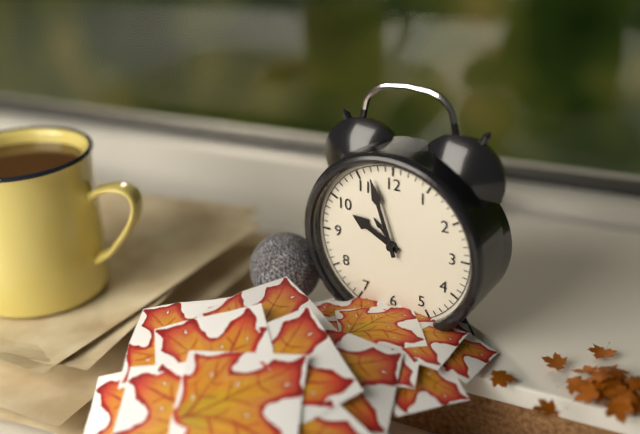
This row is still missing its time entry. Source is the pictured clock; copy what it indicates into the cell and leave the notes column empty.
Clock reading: 9:57
